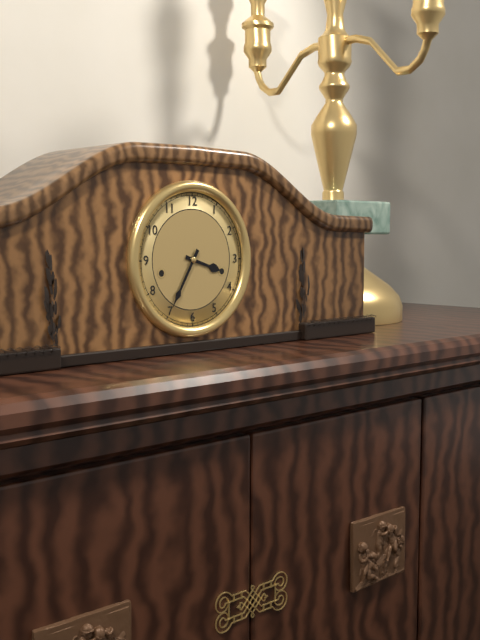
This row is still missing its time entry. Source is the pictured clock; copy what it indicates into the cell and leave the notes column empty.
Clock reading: 3:35
